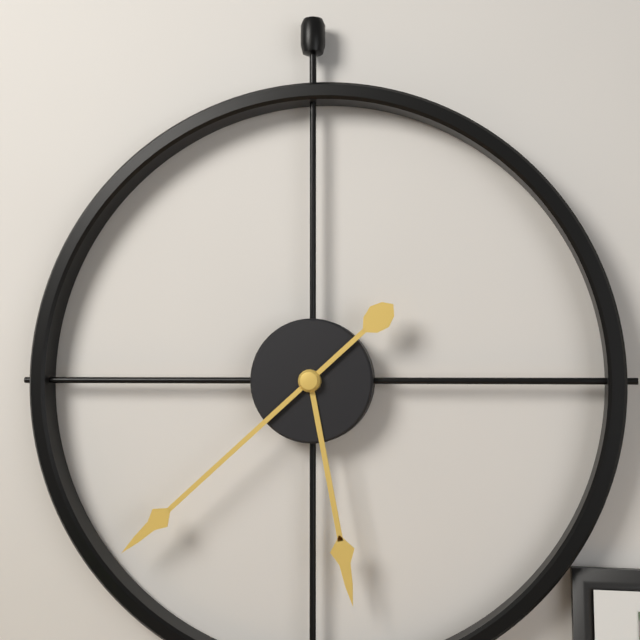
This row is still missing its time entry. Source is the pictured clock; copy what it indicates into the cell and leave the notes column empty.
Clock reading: 5:38
